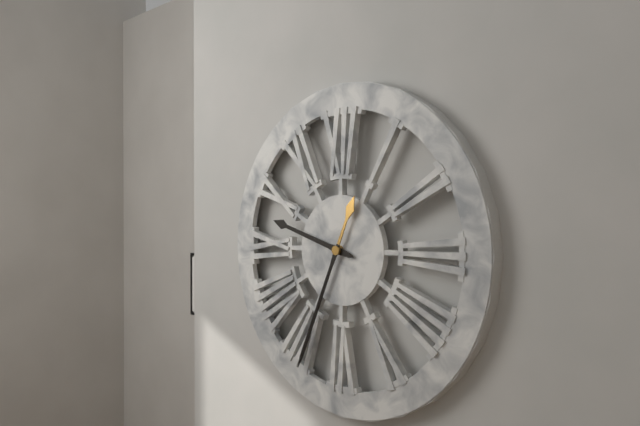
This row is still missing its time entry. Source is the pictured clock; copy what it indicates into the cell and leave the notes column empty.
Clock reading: 9:34
